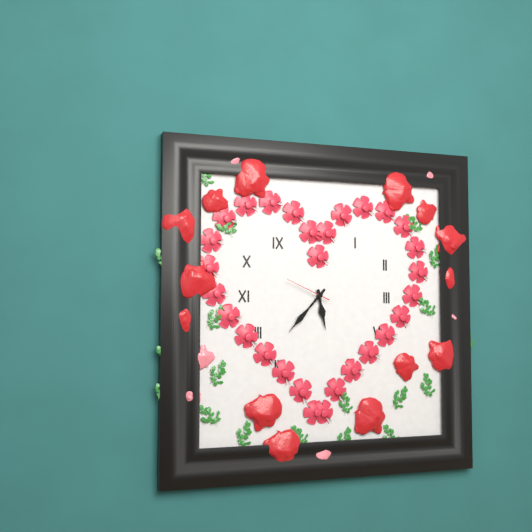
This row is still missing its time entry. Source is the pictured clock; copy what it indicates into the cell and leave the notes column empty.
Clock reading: 5:37
